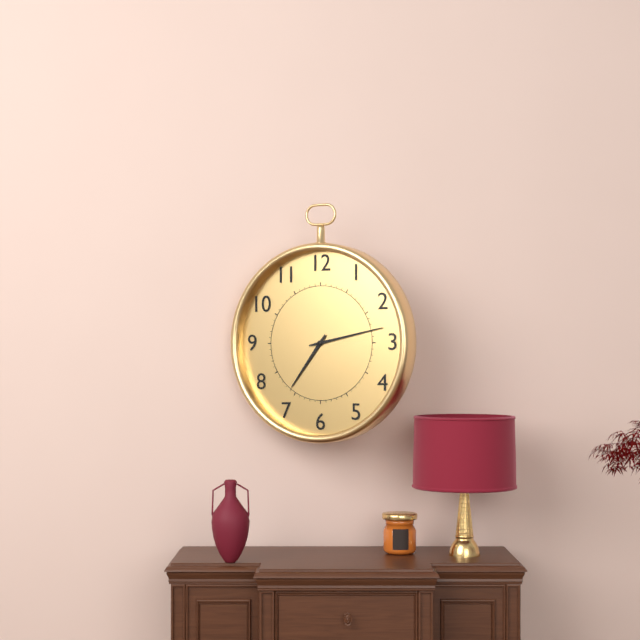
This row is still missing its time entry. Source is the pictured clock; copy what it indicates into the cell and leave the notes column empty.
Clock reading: 7:13
